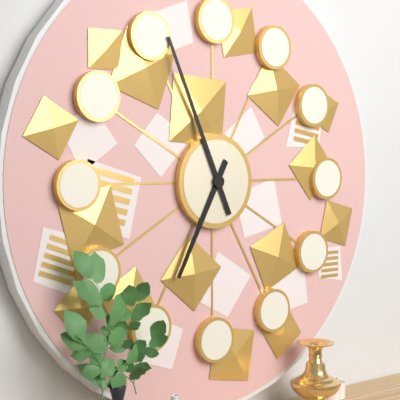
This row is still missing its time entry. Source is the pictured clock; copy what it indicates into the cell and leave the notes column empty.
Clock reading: 6:56
